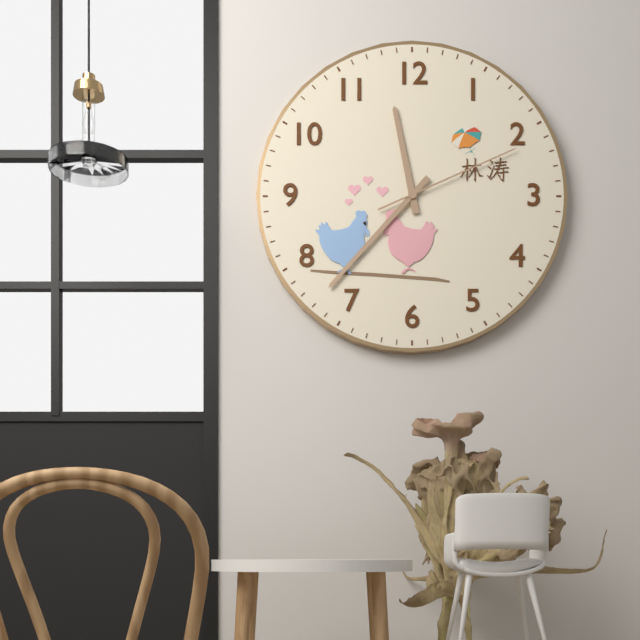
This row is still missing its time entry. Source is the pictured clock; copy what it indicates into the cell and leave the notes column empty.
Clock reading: 11:37:11
